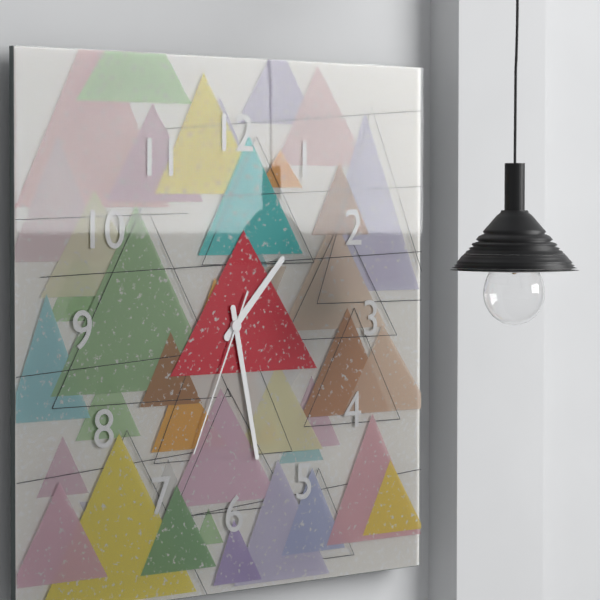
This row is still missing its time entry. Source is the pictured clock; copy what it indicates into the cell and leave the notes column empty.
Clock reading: 1:28:34
